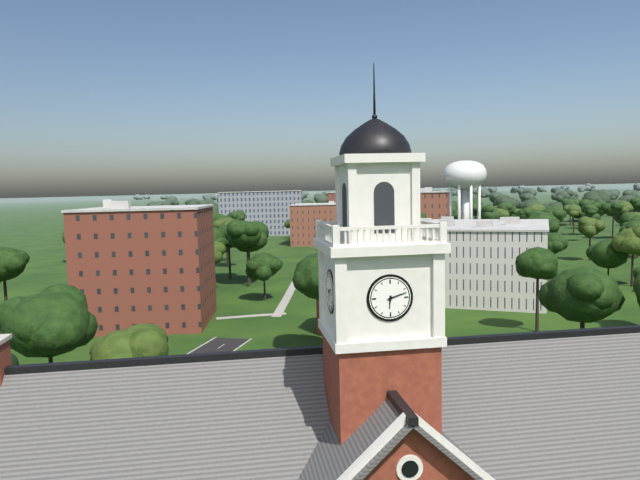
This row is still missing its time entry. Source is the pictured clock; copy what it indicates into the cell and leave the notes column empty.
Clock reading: 6:12
